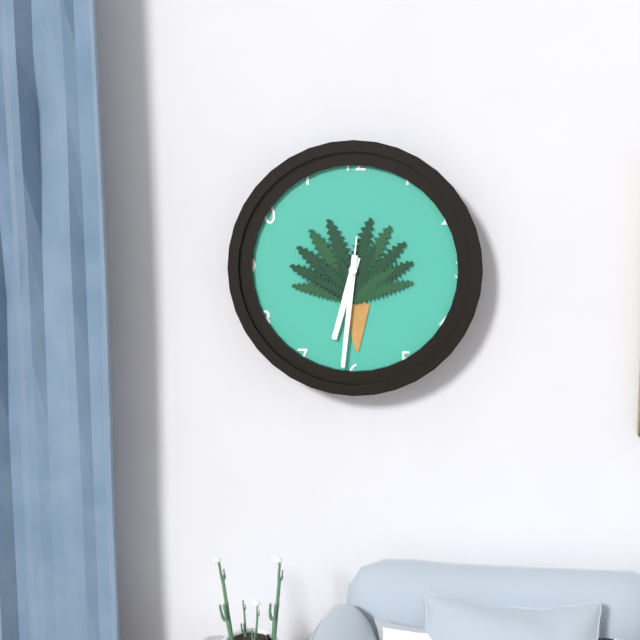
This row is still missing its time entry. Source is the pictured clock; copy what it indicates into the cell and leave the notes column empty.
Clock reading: 6:31
